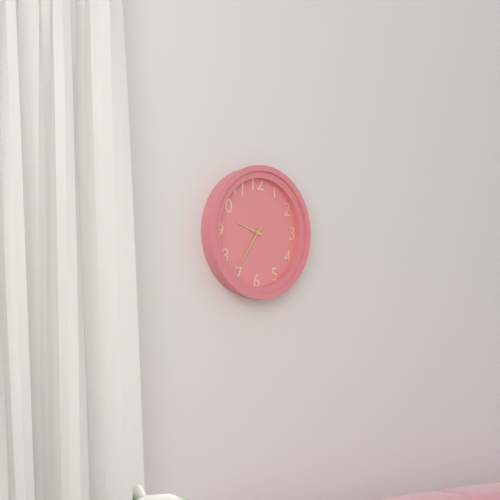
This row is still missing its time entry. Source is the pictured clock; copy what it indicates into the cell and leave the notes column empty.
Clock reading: 9:36
